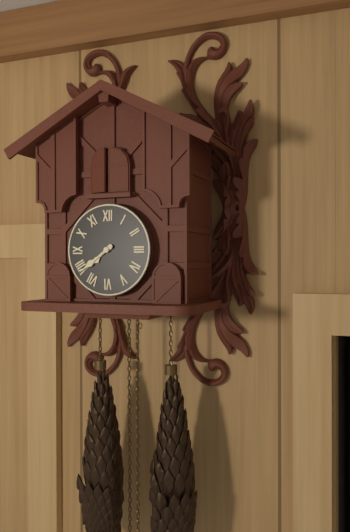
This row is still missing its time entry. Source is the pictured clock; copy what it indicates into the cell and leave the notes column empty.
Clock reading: 7:39
